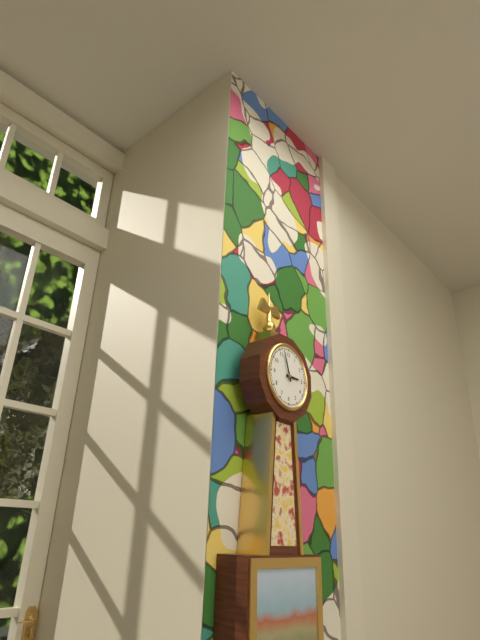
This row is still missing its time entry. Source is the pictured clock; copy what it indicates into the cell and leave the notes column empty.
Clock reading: 2:57
